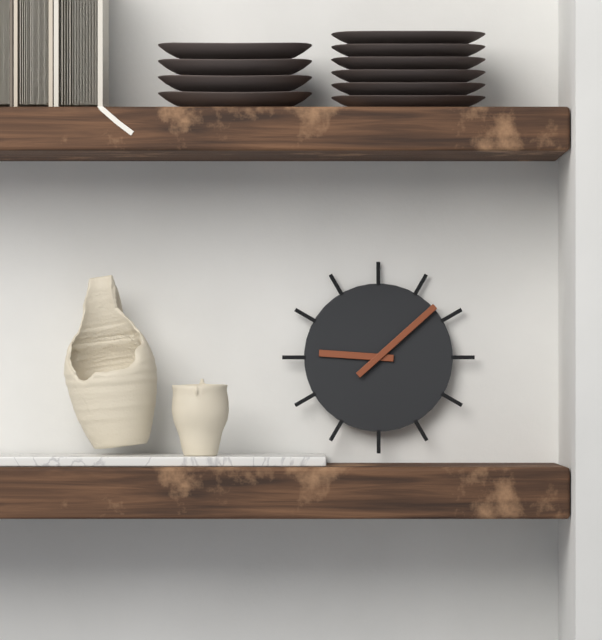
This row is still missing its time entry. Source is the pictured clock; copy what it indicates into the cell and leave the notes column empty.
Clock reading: 9:08
